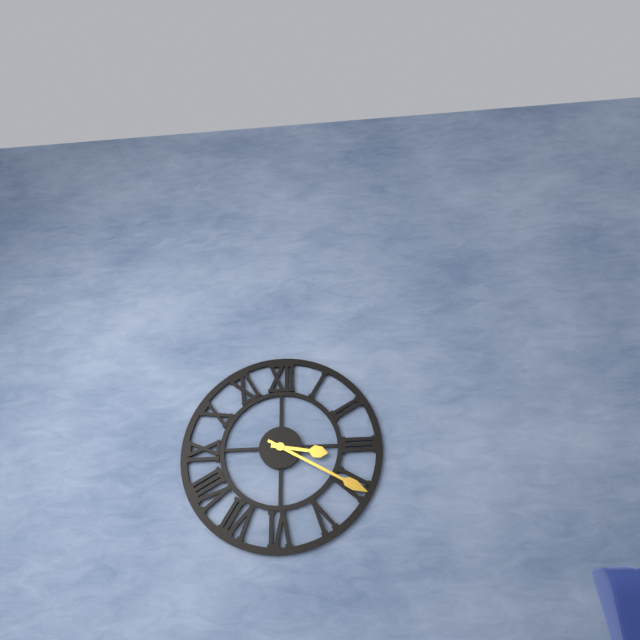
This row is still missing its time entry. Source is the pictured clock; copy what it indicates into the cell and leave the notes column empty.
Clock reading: 3:20
